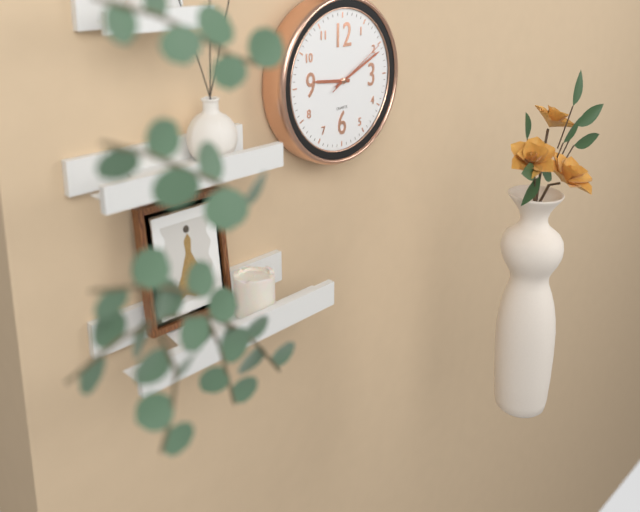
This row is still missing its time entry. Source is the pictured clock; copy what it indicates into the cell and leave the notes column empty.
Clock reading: 9:11:10
